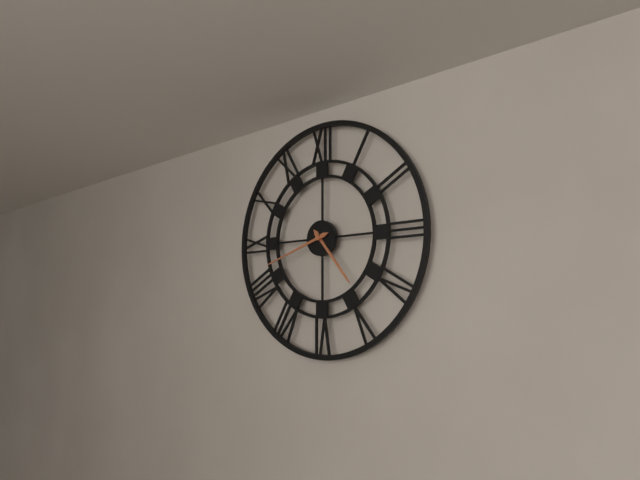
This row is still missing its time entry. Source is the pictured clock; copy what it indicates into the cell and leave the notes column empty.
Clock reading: 4:42
